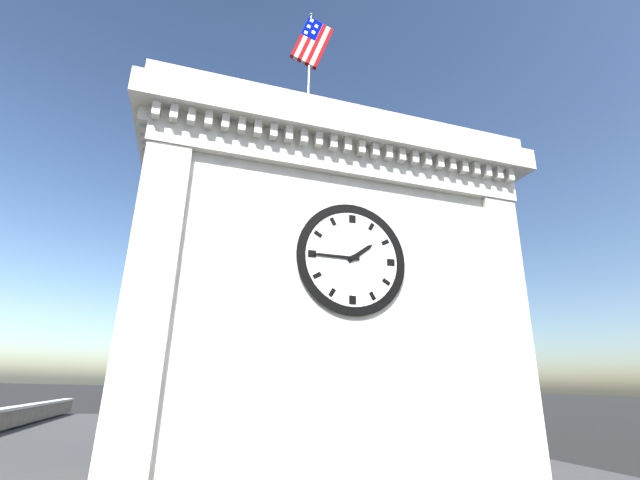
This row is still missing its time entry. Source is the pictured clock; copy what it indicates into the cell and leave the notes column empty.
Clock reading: 1:45
